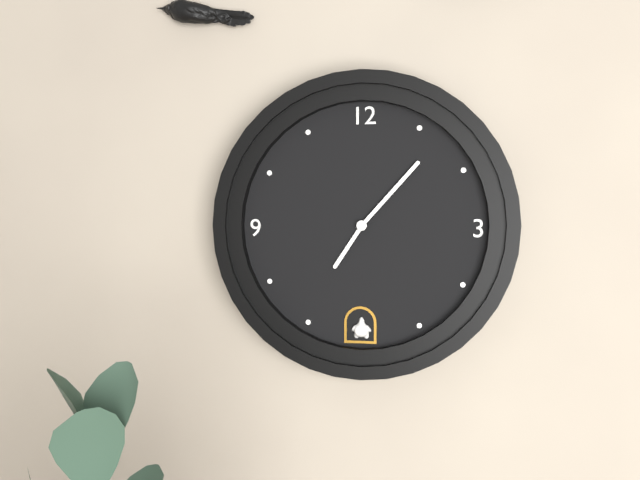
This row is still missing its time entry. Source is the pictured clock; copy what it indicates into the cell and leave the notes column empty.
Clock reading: 7:07
